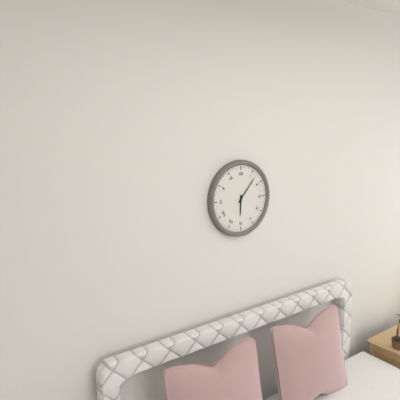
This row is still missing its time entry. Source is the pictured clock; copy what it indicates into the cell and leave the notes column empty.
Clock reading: 6:07
